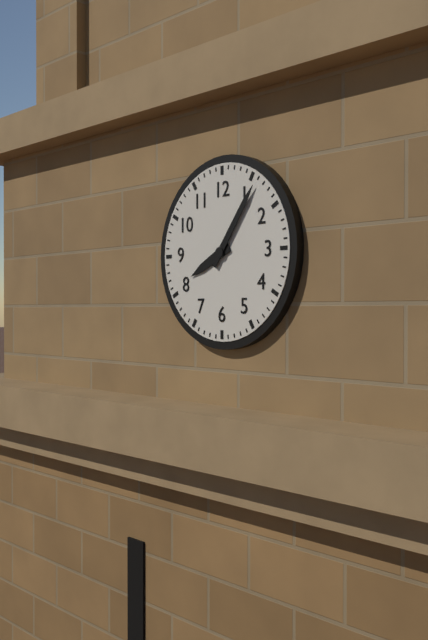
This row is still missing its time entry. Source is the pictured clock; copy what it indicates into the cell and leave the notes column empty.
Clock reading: 8:06
